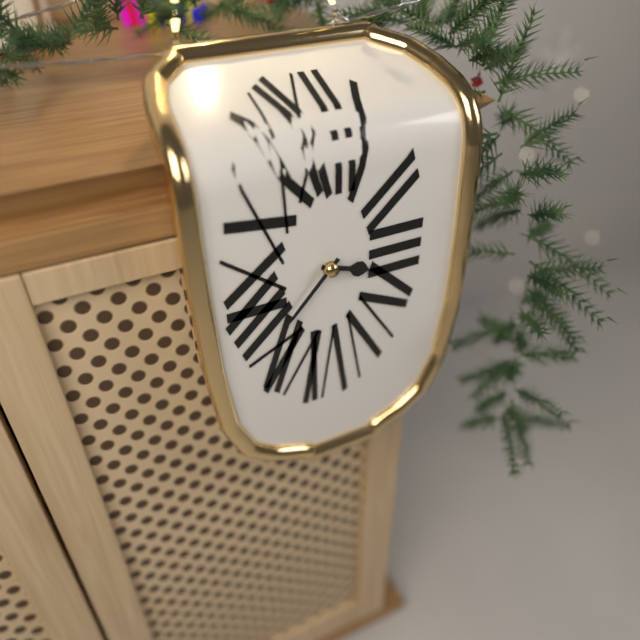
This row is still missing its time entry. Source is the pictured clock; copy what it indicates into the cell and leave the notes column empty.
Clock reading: 3:37
